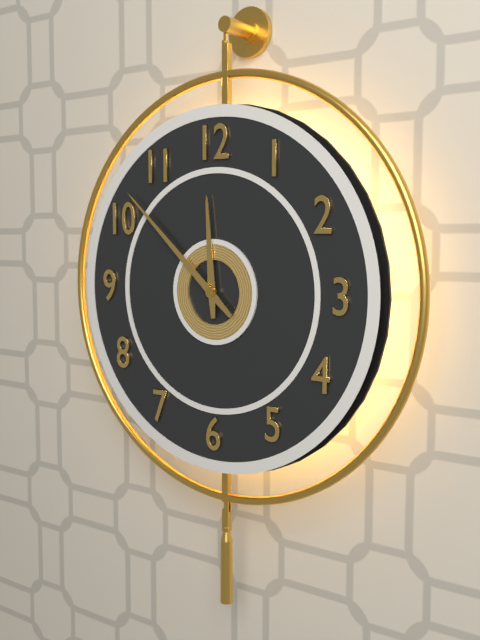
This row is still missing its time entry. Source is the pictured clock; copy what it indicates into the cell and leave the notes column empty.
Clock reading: 11:52
